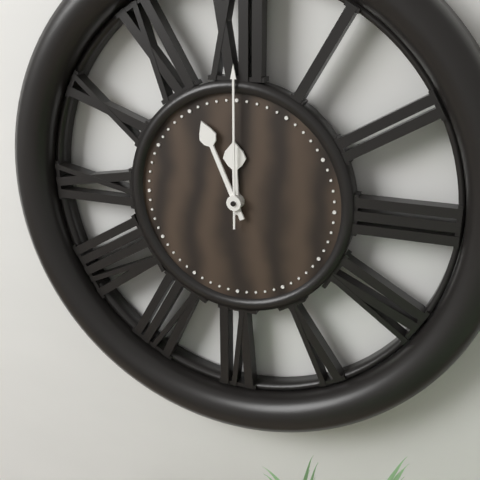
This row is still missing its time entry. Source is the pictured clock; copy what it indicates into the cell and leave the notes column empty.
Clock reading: 11:56:00
